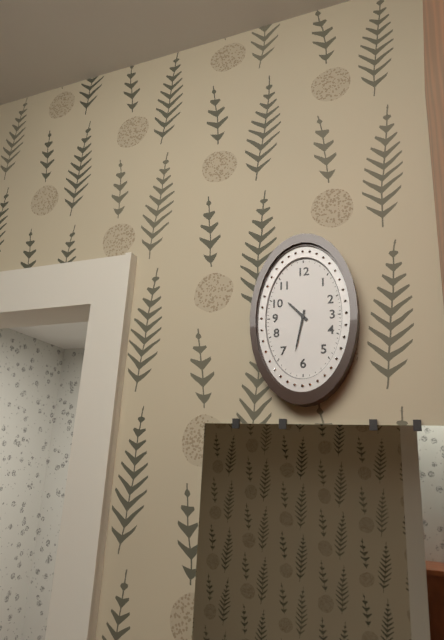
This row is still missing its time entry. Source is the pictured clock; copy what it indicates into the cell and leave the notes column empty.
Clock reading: 10:32
